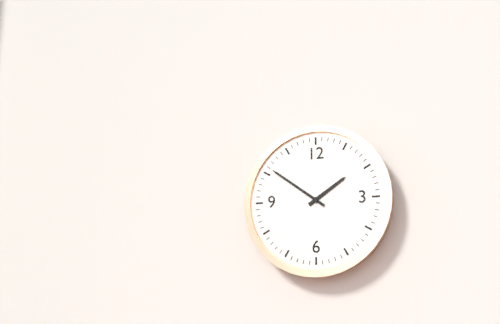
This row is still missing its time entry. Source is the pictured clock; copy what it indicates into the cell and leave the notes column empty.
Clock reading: 1:51
